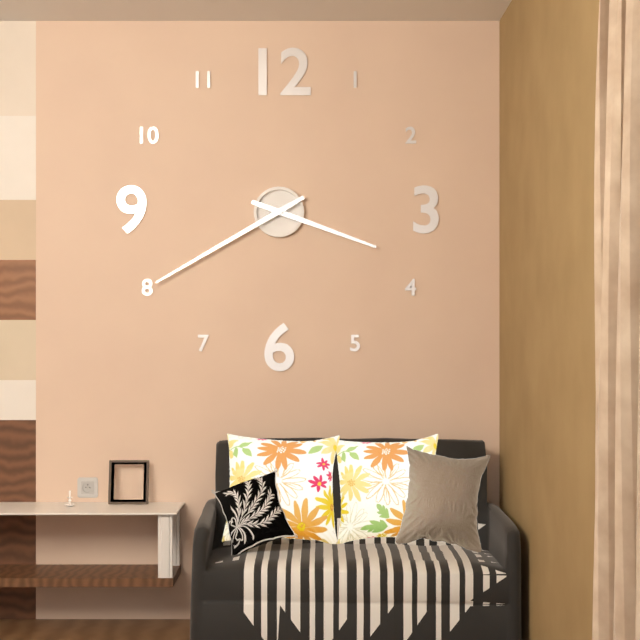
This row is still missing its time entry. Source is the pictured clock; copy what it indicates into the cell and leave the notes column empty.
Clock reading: 3:40
